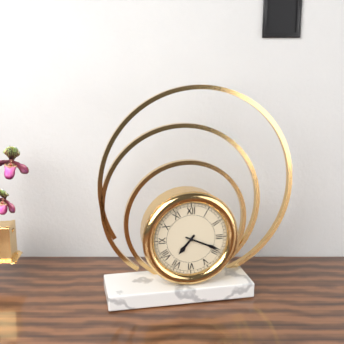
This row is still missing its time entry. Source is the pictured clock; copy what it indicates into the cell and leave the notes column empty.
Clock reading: 7:19
